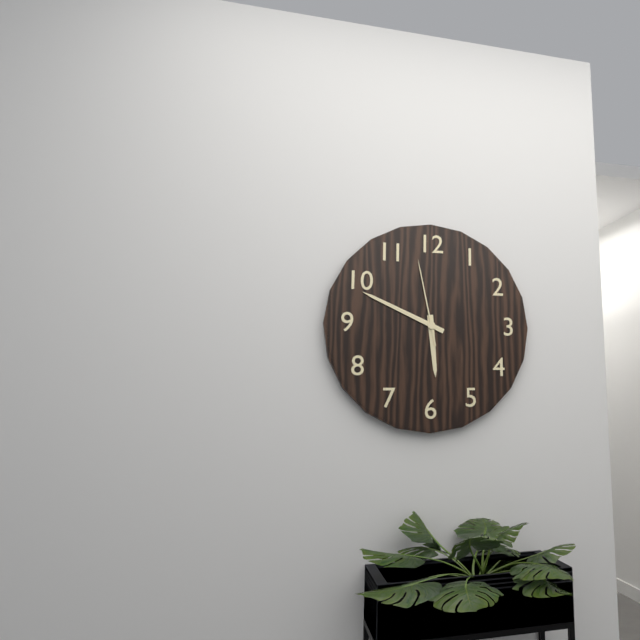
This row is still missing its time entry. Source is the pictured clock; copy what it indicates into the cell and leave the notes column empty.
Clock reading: 5:49:58
